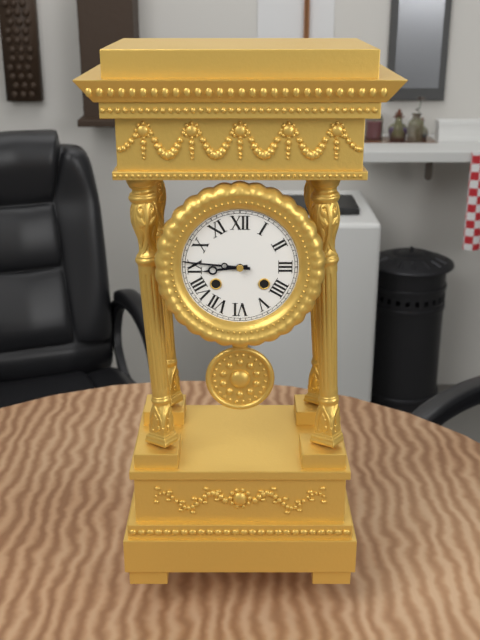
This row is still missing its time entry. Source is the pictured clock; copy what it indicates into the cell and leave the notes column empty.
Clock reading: 8:46
